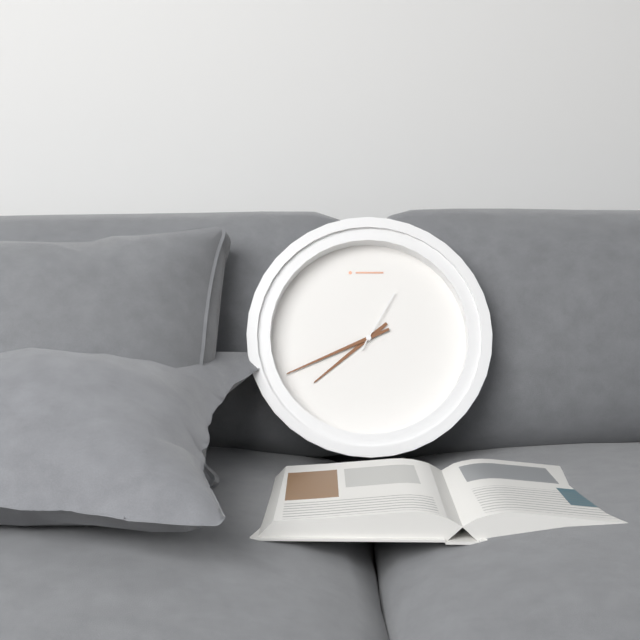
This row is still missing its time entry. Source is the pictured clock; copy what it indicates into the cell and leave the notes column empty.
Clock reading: 7:41:05
